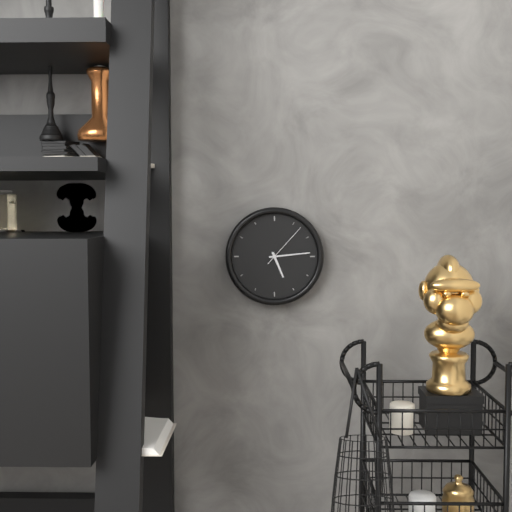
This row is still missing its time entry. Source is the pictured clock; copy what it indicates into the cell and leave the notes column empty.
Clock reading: 5:14
